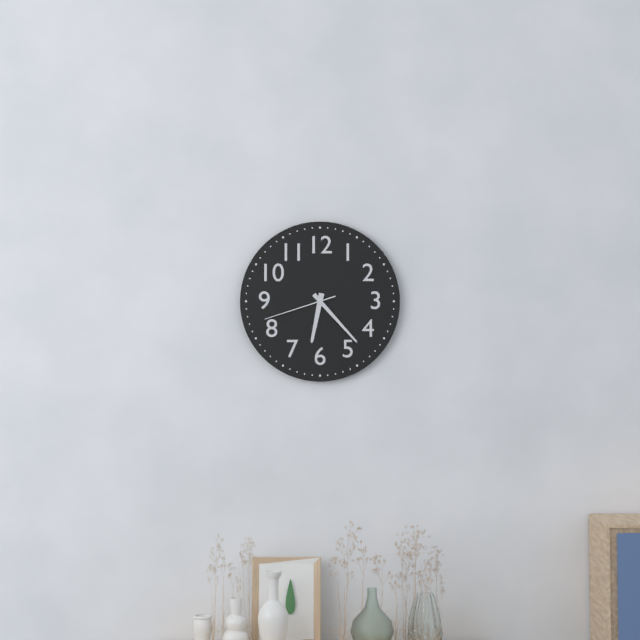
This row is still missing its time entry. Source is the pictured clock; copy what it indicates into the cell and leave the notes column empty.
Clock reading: 6:23:42
